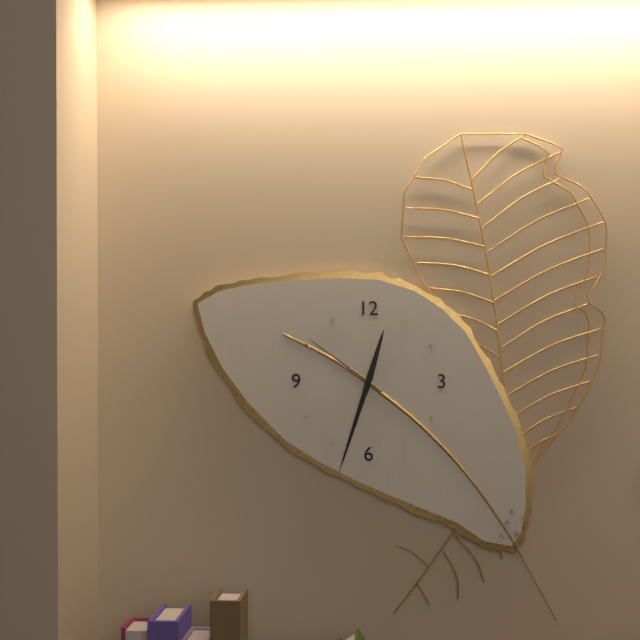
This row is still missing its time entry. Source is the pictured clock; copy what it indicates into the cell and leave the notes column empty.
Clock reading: 12:33:51
